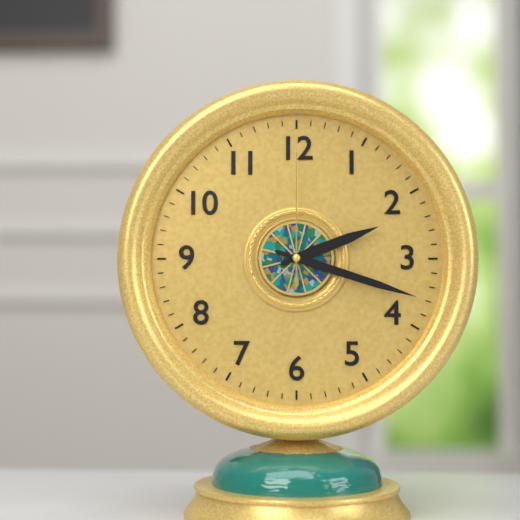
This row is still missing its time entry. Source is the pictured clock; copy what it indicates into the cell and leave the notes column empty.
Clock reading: 2:18:00
